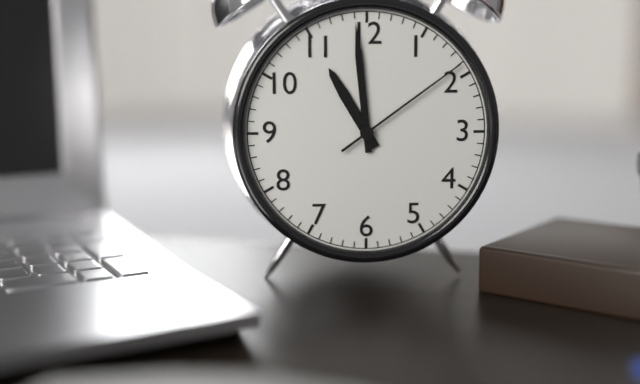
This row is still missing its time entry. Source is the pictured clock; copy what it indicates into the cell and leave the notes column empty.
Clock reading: 10:59:09
